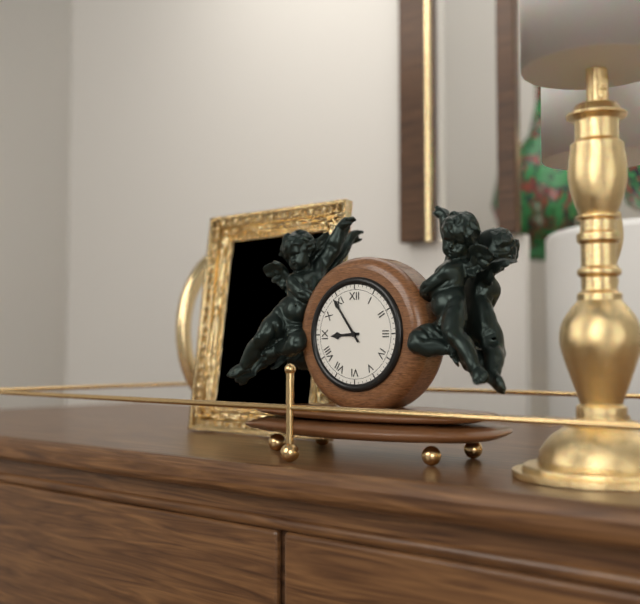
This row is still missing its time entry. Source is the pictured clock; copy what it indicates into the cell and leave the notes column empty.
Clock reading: 8:54
